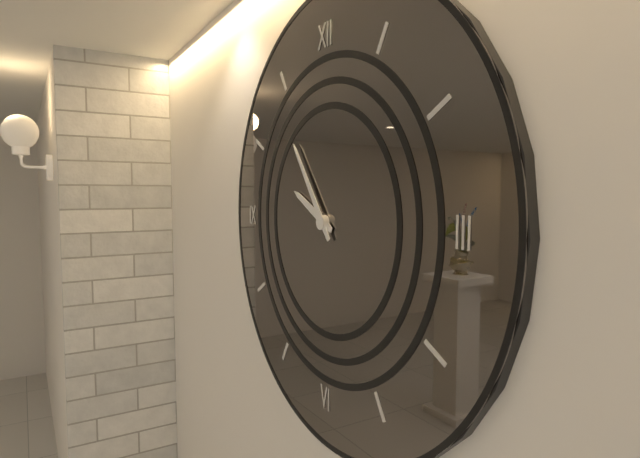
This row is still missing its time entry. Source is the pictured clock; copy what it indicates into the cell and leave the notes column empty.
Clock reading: 9:54
